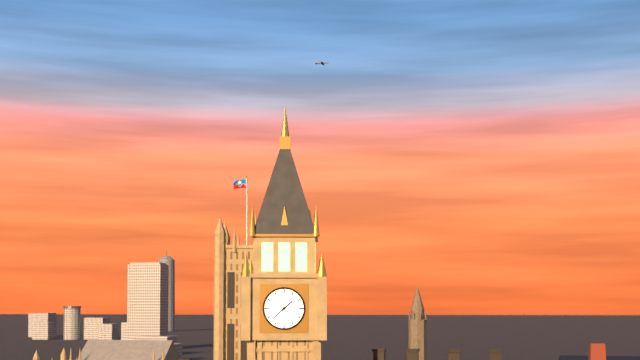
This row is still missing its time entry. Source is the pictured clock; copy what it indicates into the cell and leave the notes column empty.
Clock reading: 1:38
